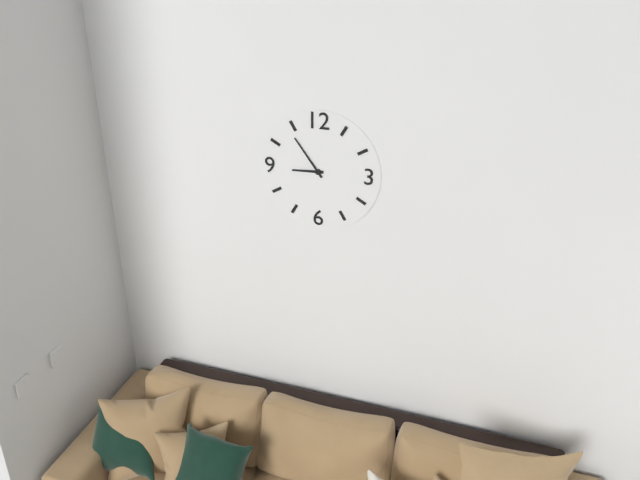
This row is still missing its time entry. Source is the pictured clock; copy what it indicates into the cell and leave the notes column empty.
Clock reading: 8:54
